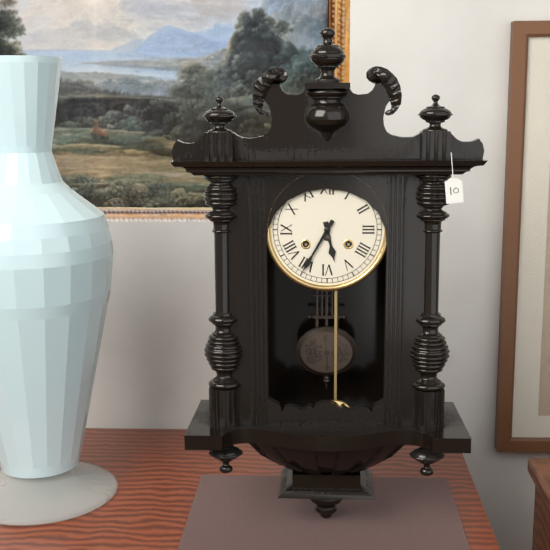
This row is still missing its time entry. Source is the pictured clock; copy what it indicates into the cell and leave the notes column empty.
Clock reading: 5:35
